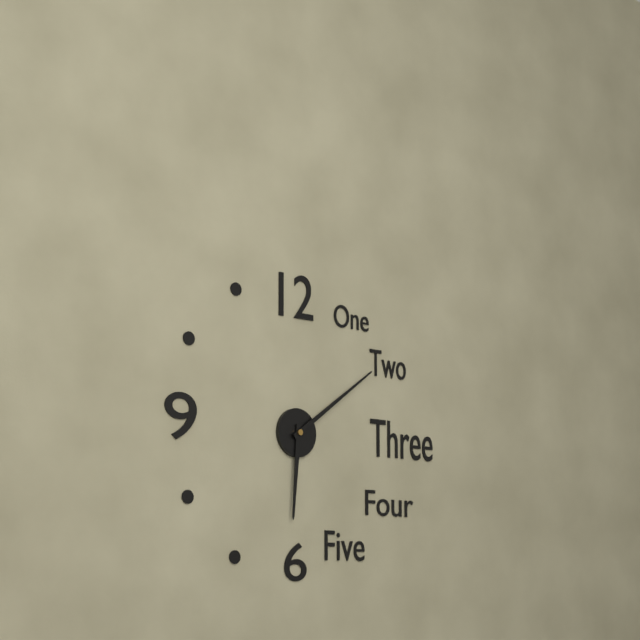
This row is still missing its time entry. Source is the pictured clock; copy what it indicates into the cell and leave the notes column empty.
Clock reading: 6:09
